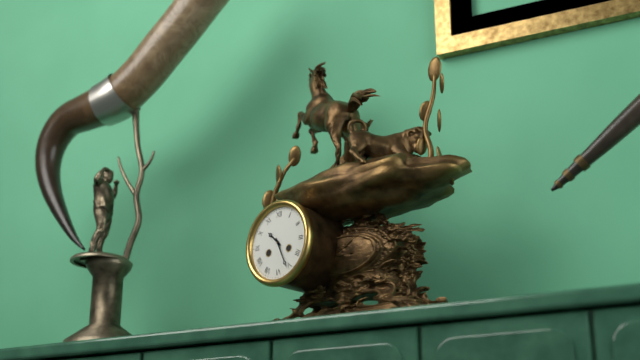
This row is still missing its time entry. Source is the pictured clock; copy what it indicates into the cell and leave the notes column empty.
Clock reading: 10:26
